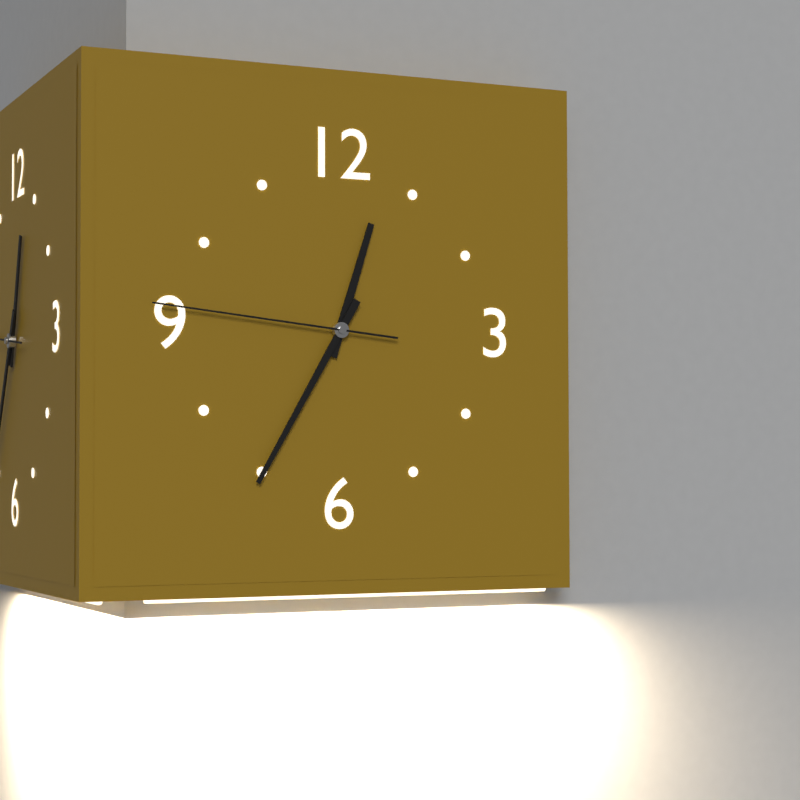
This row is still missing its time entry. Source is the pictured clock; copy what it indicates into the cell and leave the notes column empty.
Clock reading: 12:35:46
